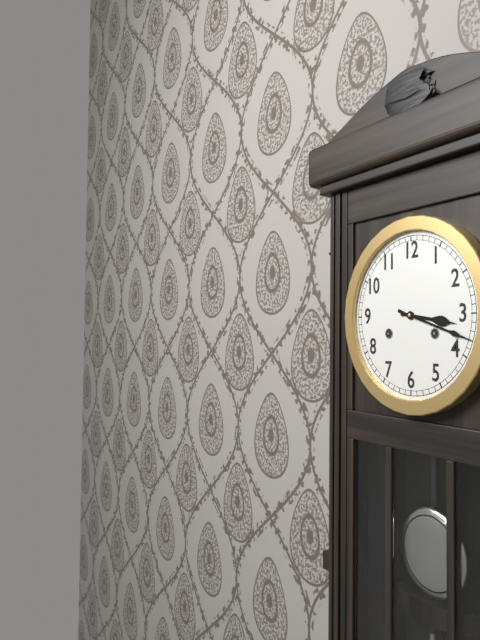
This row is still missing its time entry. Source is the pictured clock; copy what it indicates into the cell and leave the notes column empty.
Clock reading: 3:18
